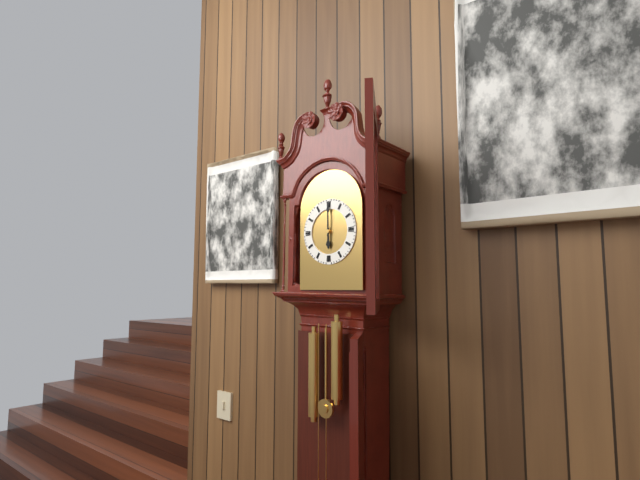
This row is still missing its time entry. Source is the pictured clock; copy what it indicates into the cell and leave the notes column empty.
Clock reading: 6:00
